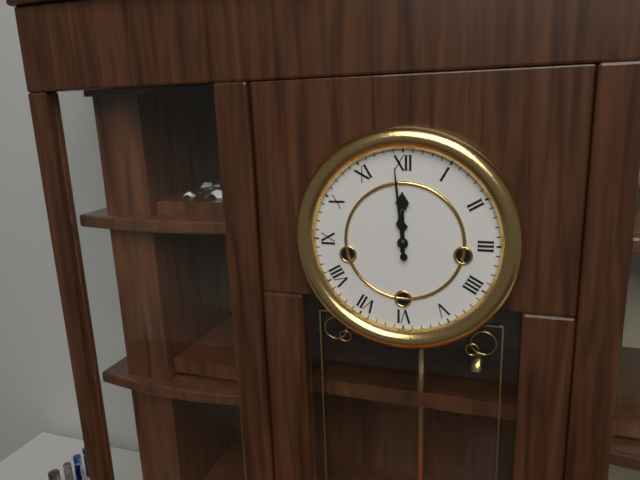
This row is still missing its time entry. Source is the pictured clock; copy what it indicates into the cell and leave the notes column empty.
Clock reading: 11:59
